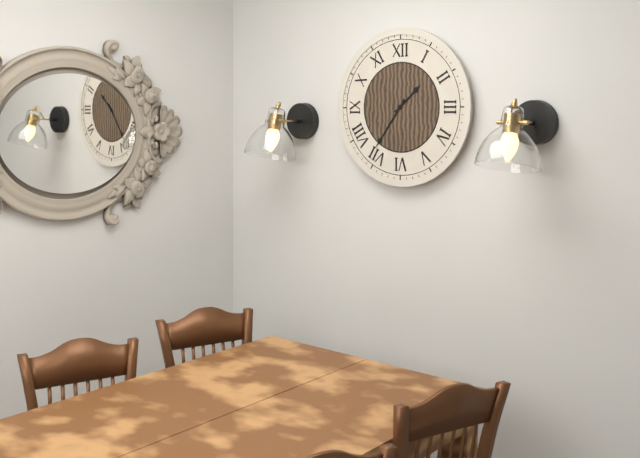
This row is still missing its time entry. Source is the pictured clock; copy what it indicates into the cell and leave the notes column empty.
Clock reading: 1:36
